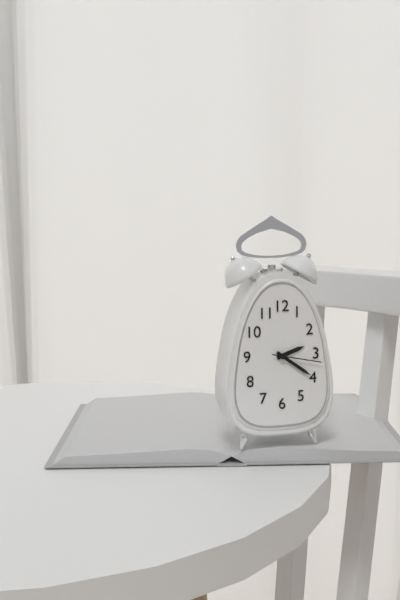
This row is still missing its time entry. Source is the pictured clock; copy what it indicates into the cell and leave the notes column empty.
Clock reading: 2:21
